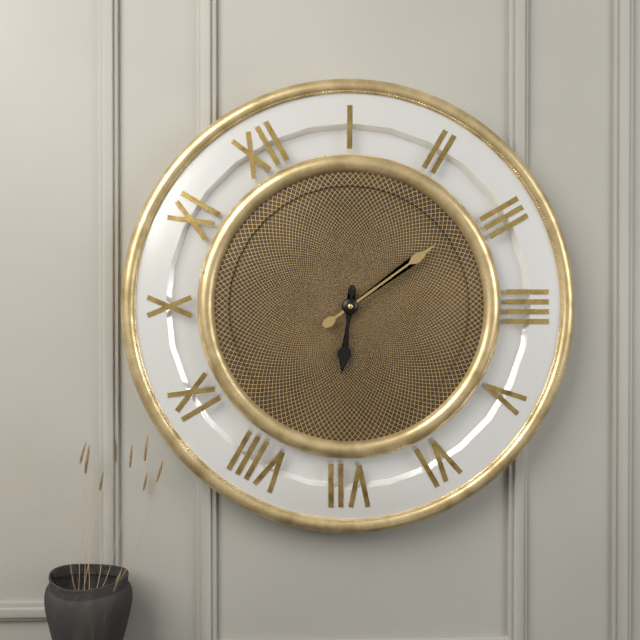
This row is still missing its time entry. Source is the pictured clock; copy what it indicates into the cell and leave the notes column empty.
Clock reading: 7:14
